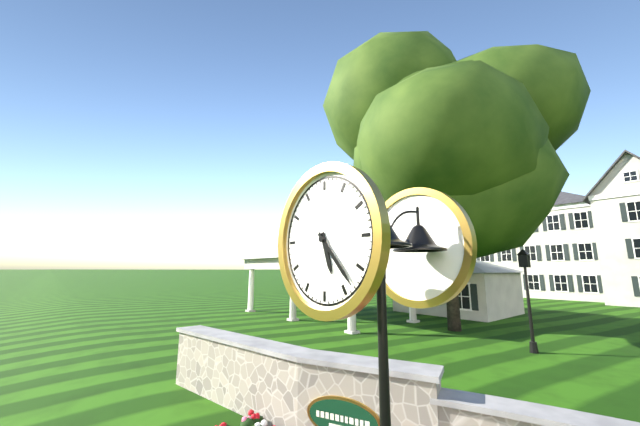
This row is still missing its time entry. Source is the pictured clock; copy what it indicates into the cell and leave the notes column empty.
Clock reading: 5:23
